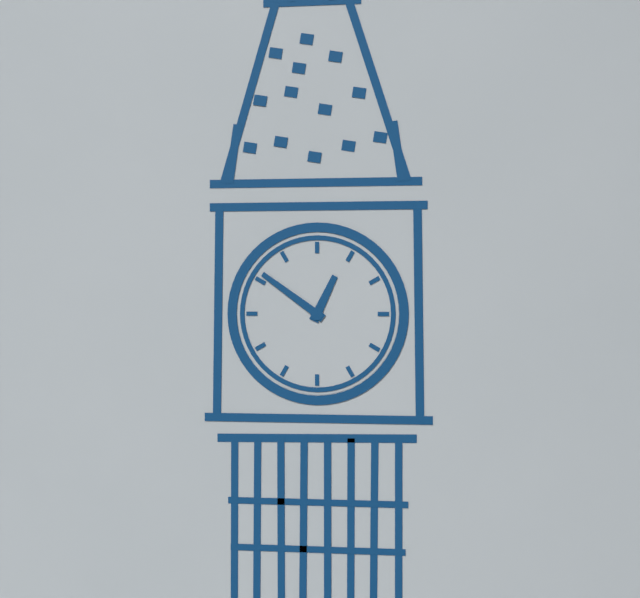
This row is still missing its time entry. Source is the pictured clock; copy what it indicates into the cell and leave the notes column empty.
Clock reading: 12:51
